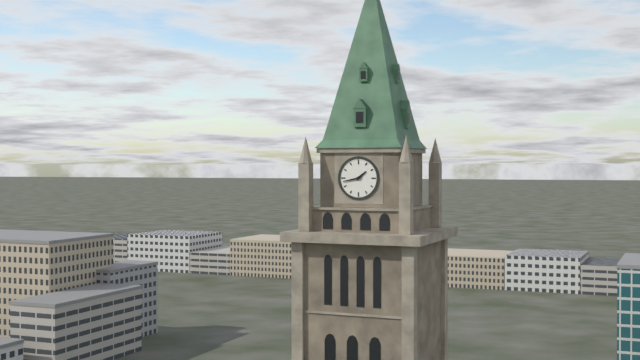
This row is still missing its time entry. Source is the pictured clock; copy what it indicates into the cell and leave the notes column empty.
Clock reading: 1:43
